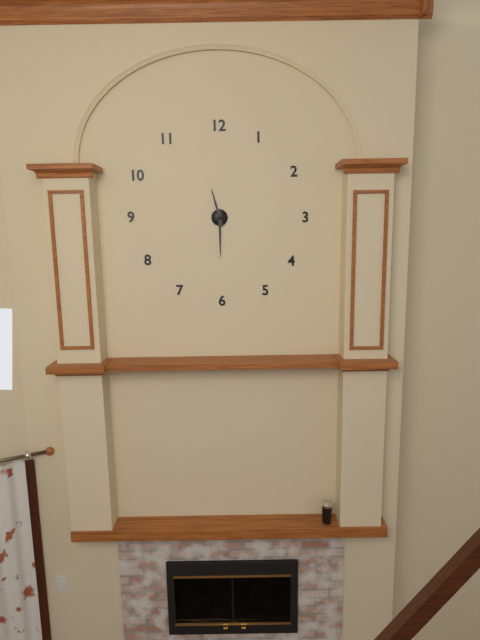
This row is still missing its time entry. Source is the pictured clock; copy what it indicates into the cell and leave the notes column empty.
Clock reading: 11:30
